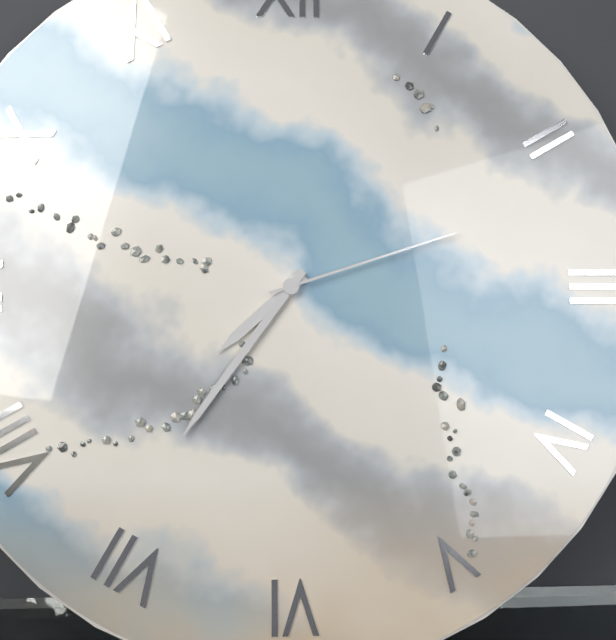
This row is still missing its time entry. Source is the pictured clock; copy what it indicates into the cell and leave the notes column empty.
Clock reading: 7:36:12
